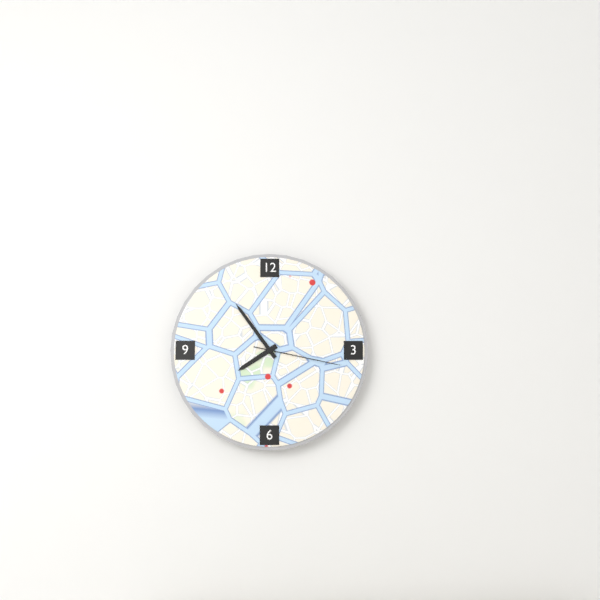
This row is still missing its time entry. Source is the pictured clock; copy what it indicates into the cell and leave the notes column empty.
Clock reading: 7:54:17
